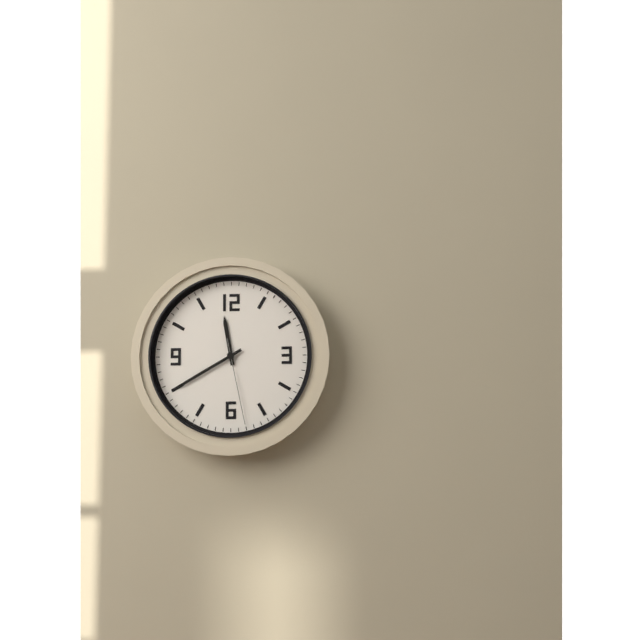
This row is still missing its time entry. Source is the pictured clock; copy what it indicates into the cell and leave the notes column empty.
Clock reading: 11:40:28
